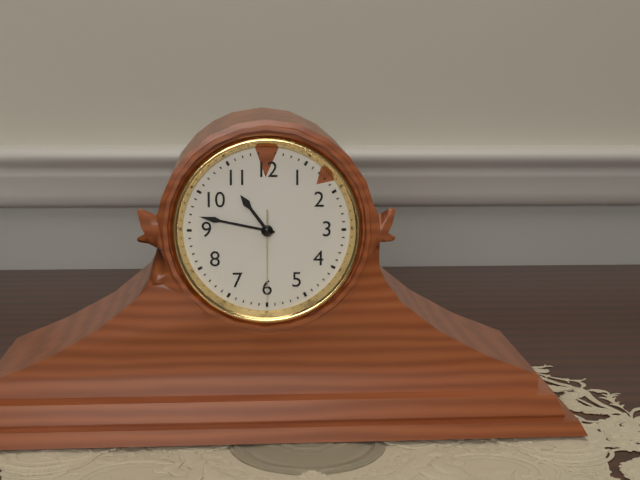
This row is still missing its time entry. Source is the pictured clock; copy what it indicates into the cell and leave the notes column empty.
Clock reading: 10:47:30
